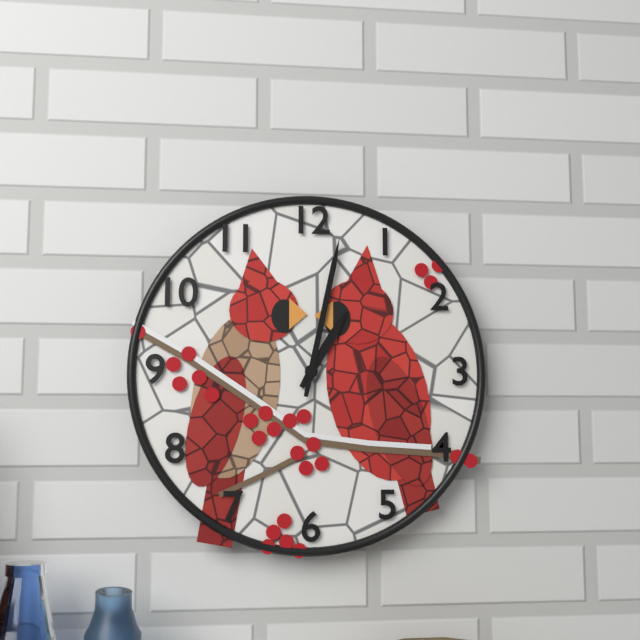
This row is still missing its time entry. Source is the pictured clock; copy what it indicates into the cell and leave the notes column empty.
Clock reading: 1:02
